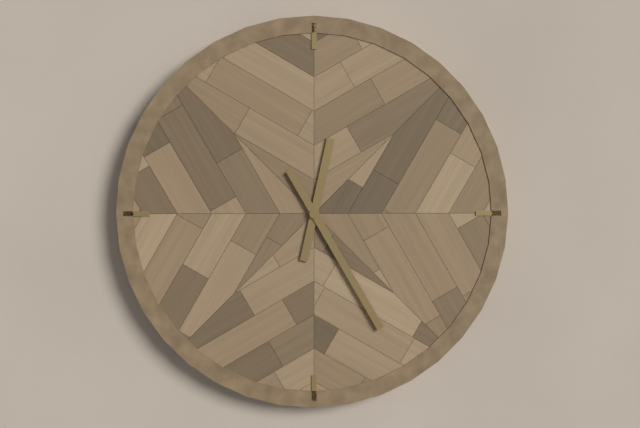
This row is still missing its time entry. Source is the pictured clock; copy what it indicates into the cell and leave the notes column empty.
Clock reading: 12:25
